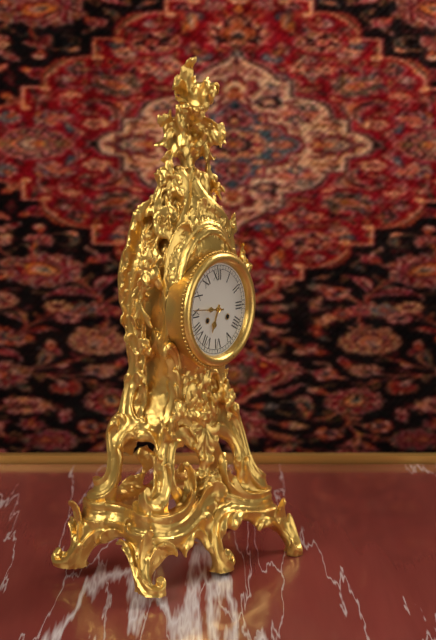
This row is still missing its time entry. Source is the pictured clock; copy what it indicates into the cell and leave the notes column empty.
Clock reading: 6:46
